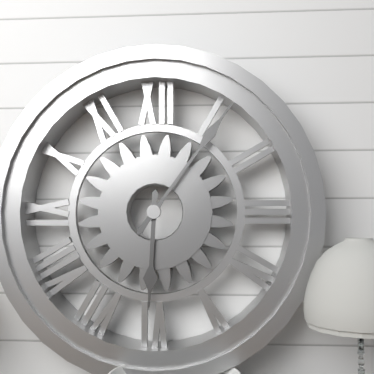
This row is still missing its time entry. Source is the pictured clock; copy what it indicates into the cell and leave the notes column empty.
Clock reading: 6:06
